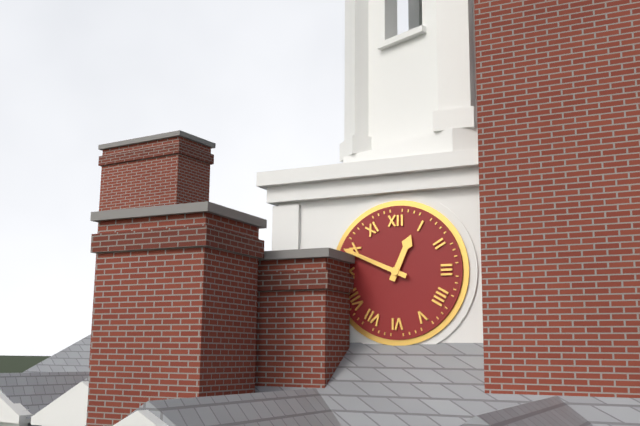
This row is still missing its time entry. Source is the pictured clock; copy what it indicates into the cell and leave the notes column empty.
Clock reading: 12:49
